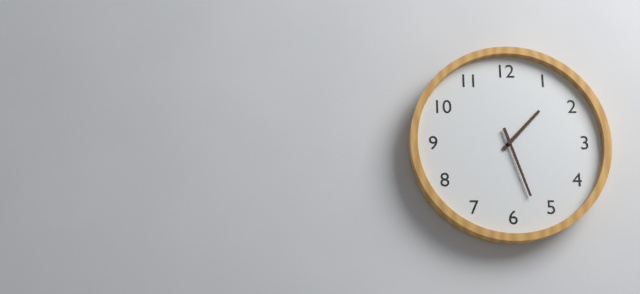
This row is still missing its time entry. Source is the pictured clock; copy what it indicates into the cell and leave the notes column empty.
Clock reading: 1:27
